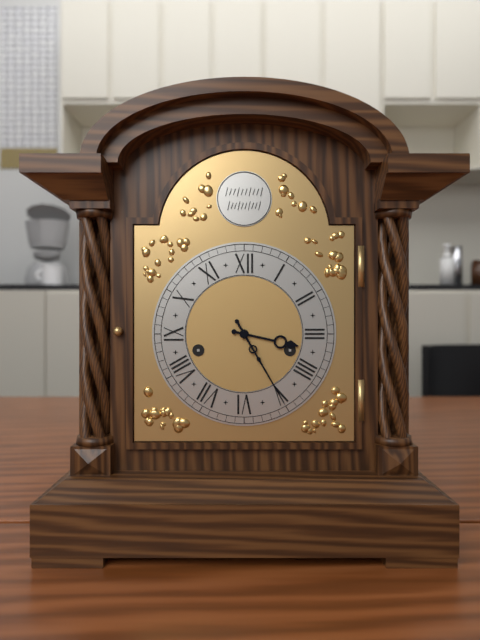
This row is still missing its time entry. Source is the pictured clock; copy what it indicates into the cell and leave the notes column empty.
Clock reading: 3:25
